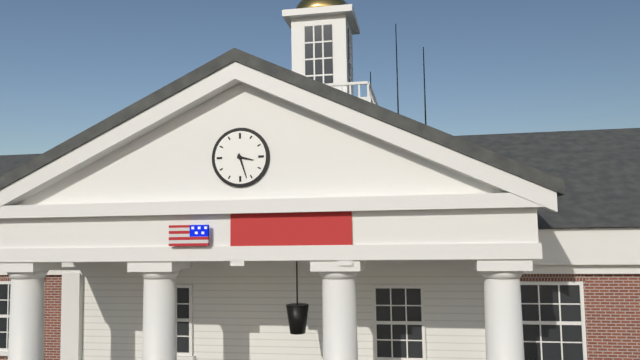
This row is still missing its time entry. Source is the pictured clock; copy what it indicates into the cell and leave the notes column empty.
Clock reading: 3:27
